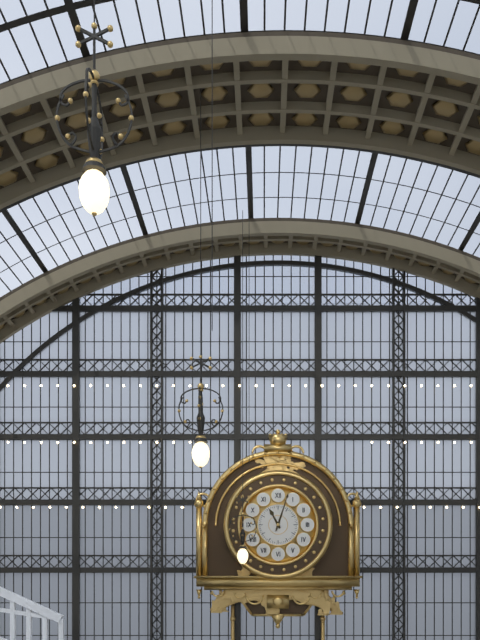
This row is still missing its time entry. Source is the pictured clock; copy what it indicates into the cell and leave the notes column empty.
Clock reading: 11:03
